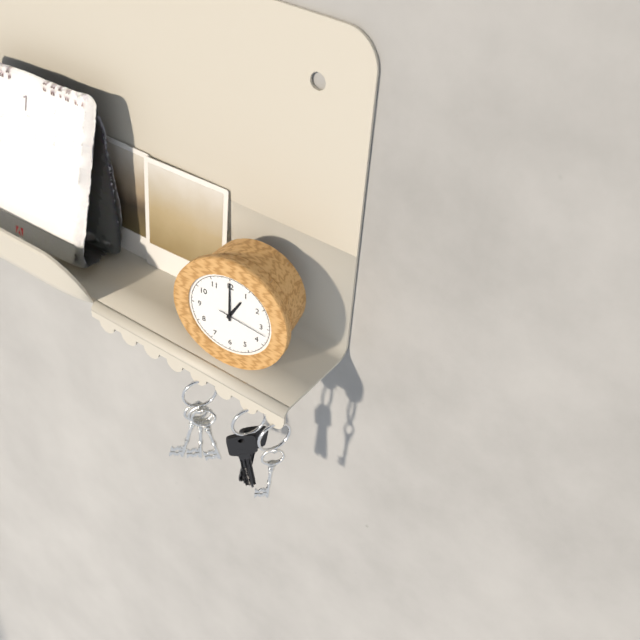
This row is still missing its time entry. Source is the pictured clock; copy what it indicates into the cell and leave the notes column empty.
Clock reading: 1:00:17
